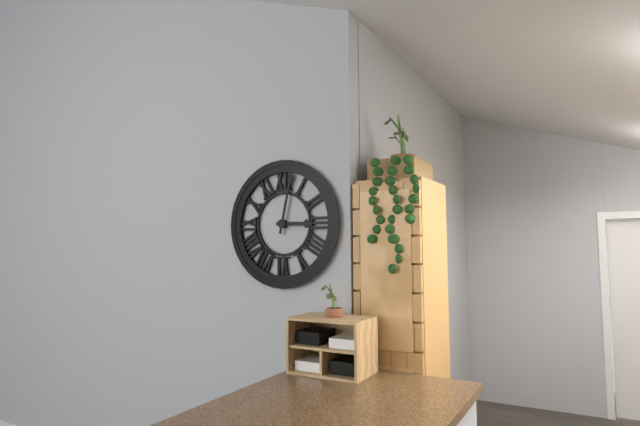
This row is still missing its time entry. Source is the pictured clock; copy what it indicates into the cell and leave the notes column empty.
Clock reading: 3:02
